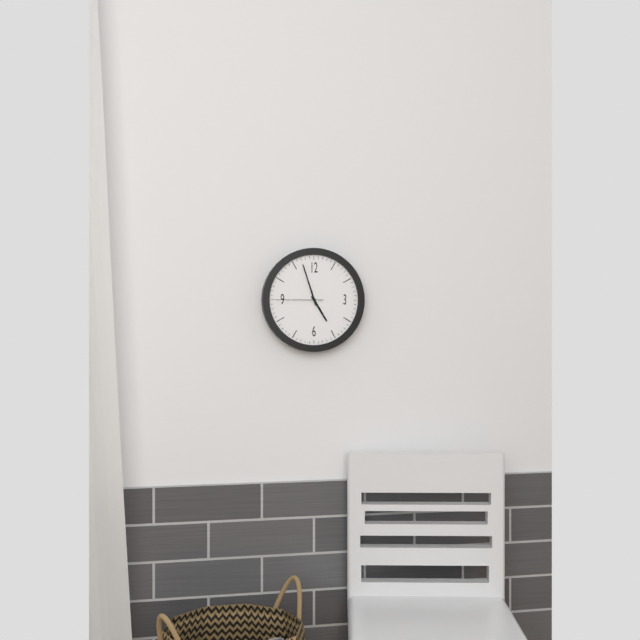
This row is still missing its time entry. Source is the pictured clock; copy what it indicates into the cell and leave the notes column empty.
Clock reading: 4:57
